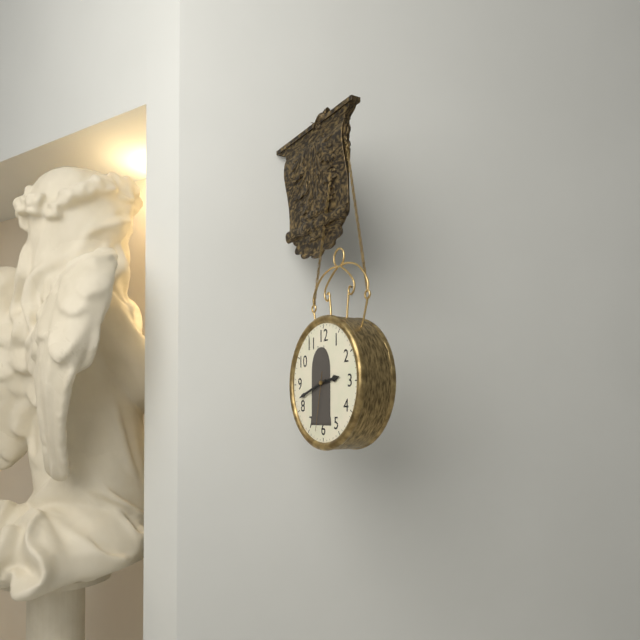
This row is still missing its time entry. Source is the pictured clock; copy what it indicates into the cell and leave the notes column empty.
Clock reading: 2:42:32
